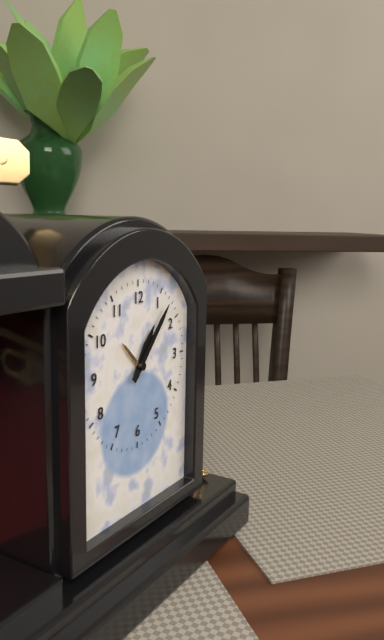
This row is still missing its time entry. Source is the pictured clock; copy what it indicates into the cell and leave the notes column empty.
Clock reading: 1:07
